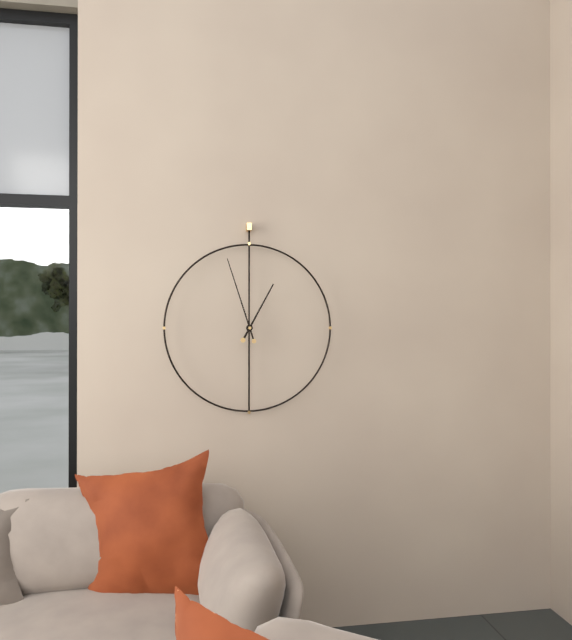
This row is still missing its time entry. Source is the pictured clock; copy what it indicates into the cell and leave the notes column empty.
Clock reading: 12:57
